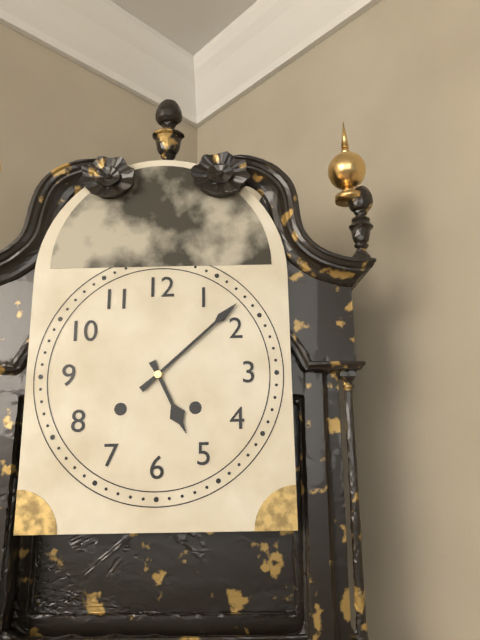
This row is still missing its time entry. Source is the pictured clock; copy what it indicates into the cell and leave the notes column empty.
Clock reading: 5:08
